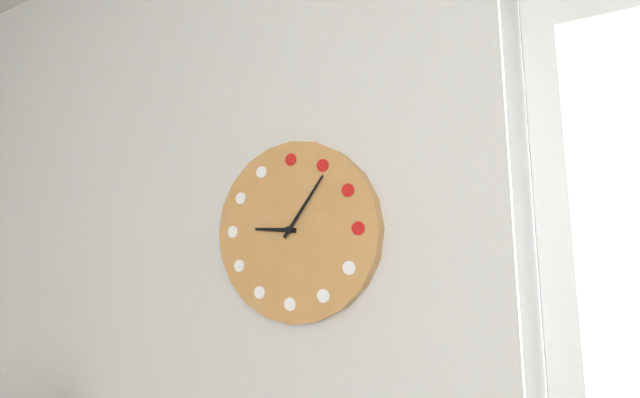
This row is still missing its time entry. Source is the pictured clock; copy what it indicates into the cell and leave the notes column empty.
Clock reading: 9:06
